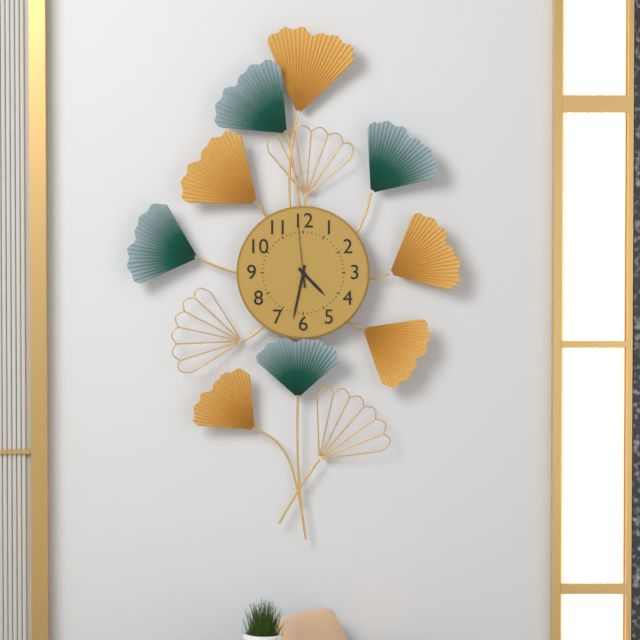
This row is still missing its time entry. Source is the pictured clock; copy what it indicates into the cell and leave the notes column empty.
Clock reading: 4:32:59
